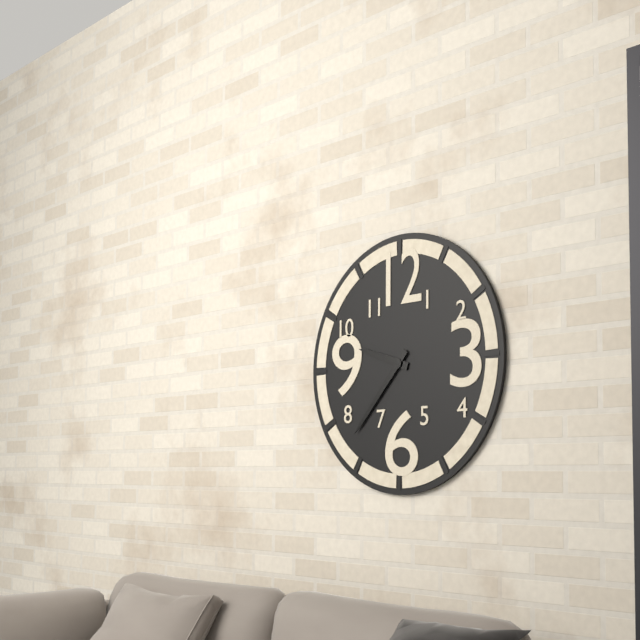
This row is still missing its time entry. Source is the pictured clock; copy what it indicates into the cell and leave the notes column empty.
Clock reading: 9:37
